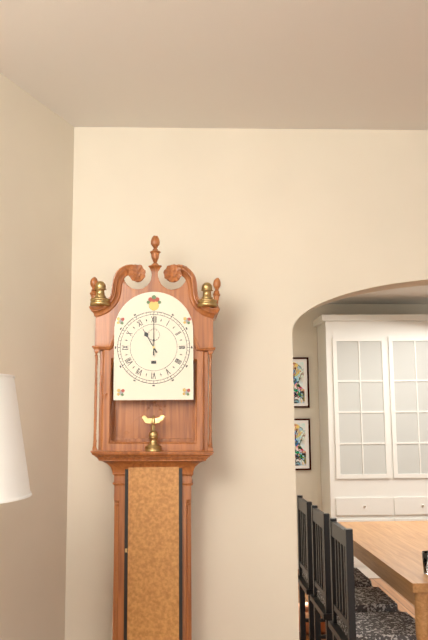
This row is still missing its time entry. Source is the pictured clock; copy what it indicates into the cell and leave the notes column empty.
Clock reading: 11:00
